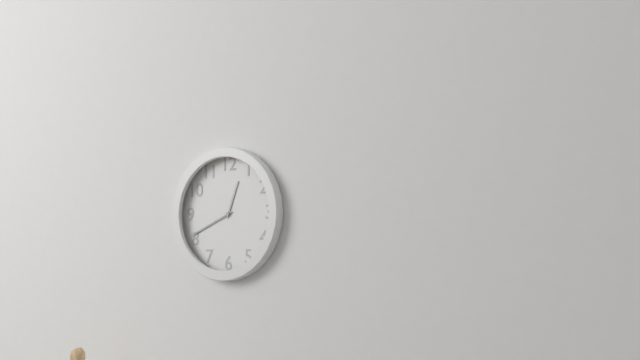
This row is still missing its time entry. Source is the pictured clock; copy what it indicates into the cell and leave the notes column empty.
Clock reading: 12:41
